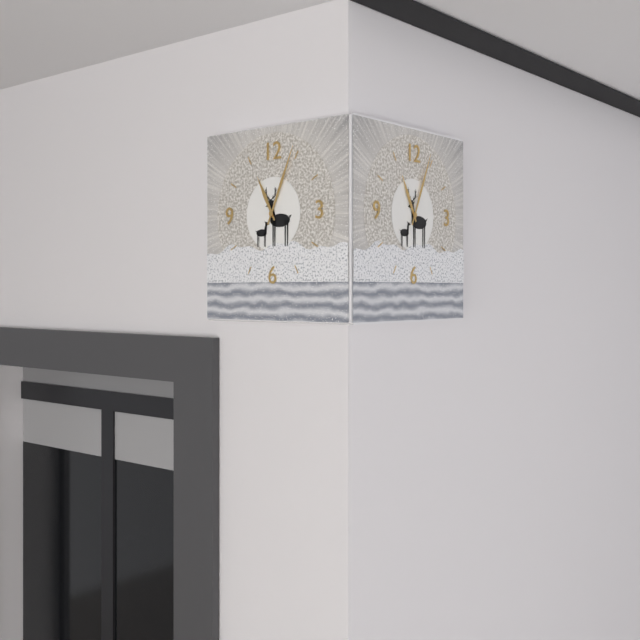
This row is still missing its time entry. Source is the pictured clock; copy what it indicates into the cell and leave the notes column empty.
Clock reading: 11:04
